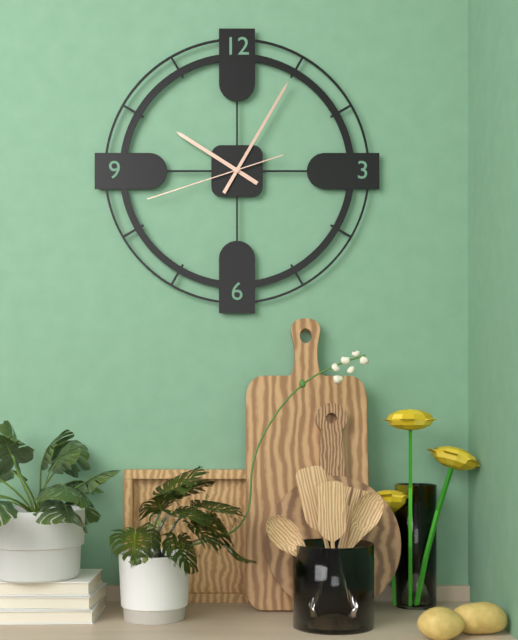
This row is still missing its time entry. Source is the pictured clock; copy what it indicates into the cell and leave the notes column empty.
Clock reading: 10:05:42
